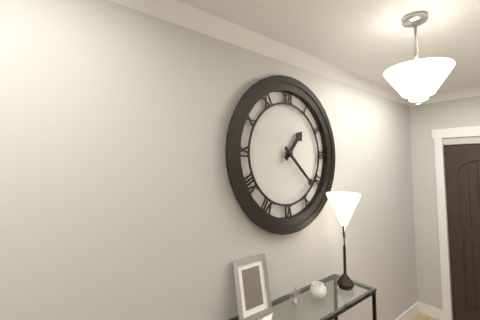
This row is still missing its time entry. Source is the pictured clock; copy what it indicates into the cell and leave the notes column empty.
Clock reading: 1:22
